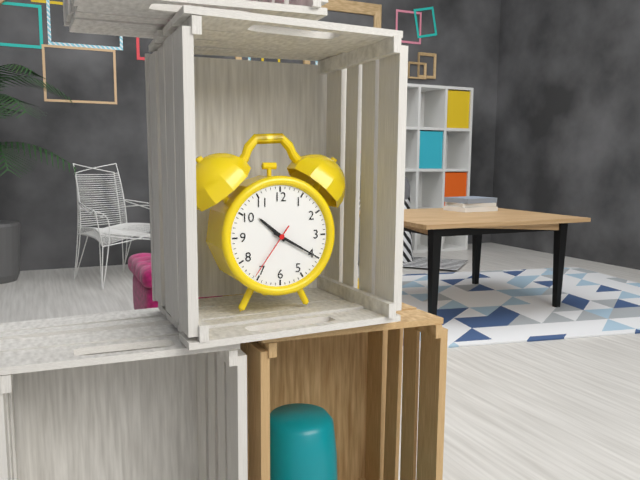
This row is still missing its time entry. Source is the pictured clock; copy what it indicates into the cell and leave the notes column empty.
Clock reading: 10:20:36
